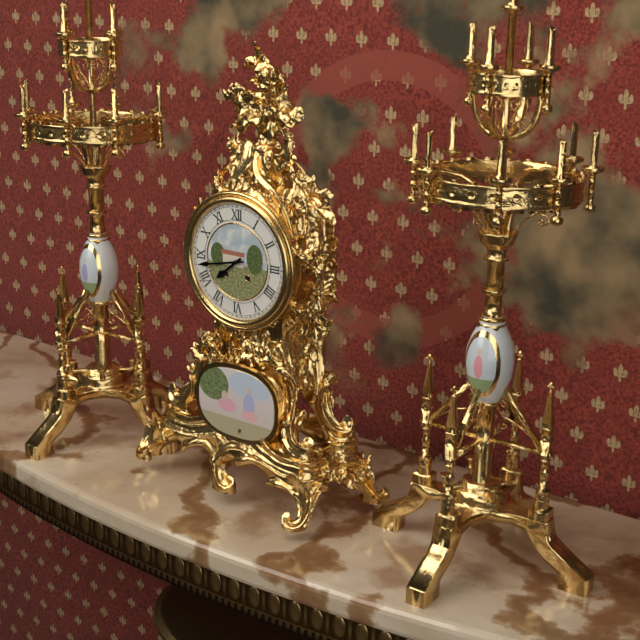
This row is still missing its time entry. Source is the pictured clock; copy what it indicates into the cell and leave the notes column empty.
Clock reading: 7:43
